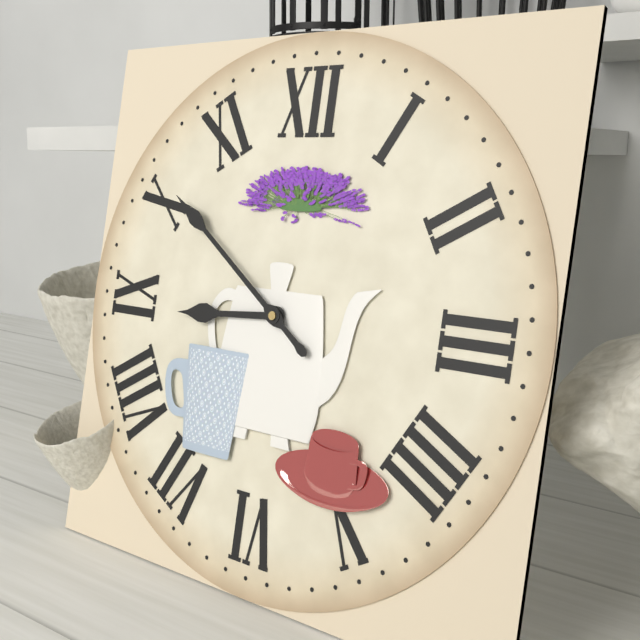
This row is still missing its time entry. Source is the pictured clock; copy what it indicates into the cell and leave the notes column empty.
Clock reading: 8:51
